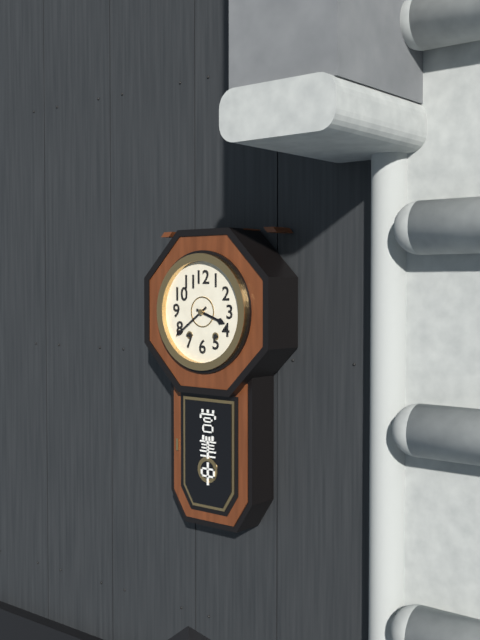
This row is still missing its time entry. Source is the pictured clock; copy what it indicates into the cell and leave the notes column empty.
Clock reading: 3:39
